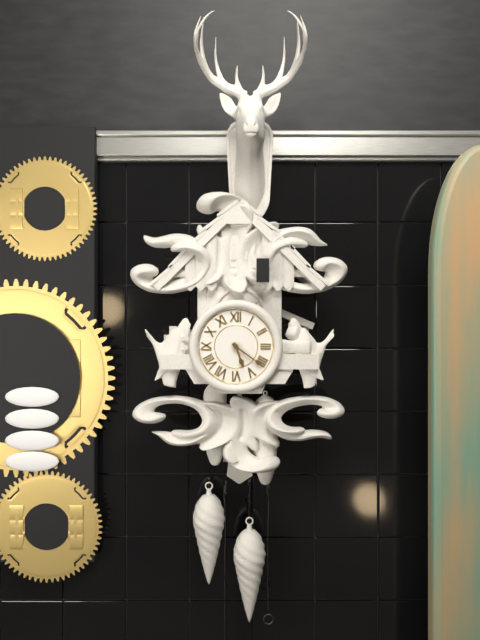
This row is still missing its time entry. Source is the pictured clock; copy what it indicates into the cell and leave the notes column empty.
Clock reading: 5:21
